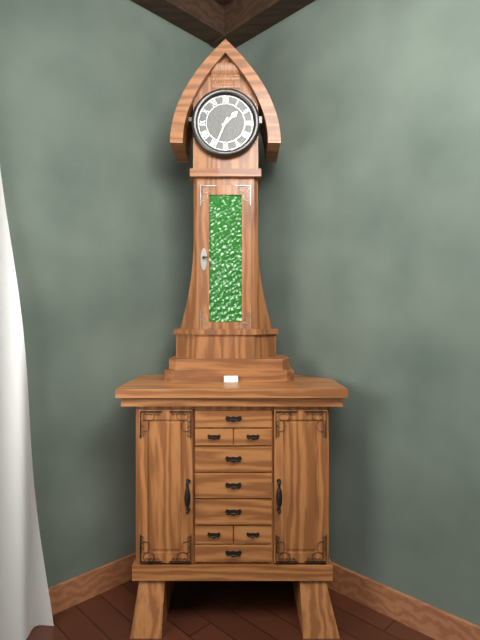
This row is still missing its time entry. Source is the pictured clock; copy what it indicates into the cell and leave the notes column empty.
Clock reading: 1:34
